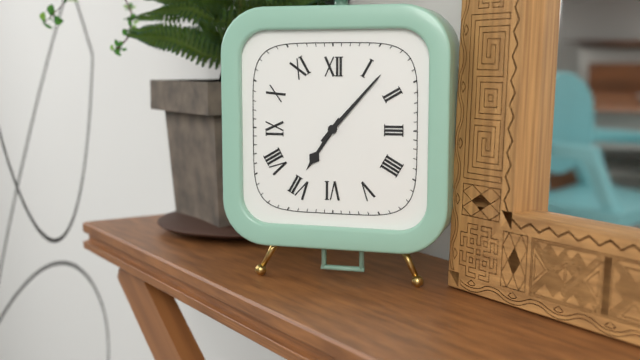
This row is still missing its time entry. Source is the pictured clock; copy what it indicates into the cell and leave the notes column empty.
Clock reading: 7:07
